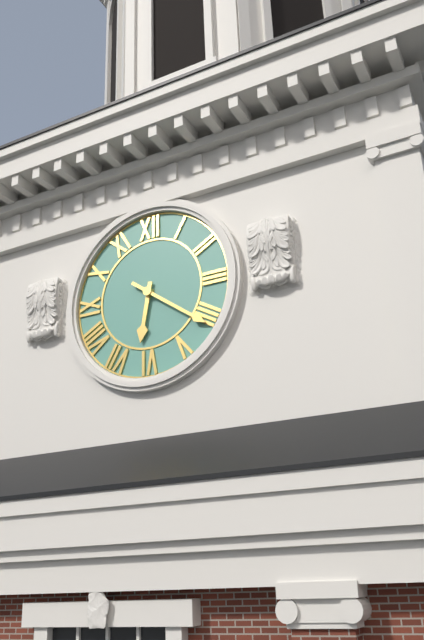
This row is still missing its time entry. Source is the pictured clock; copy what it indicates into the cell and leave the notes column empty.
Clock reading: 6:21
